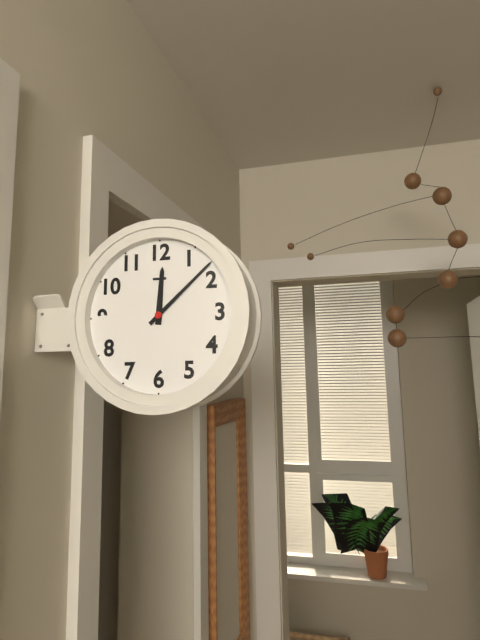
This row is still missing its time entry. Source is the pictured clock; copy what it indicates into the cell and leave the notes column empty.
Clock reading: 12:08
